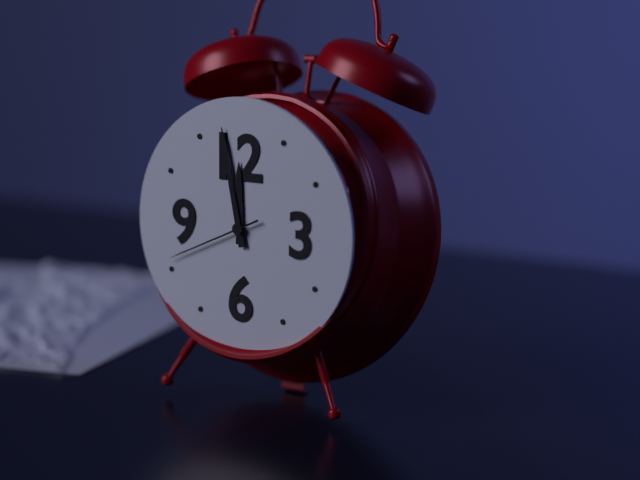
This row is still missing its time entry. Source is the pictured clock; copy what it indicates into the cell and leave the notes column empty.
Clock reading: 11:58:41
